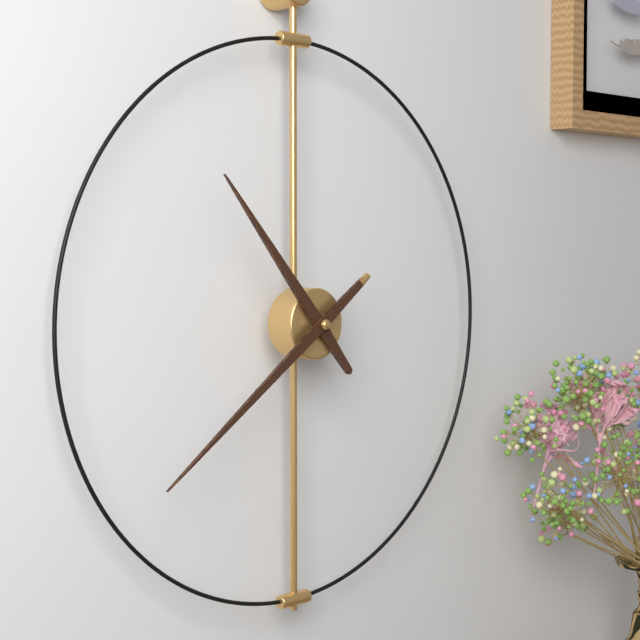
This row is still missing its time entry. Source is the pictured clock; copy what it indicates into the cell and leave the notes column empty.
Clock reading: 10:39
